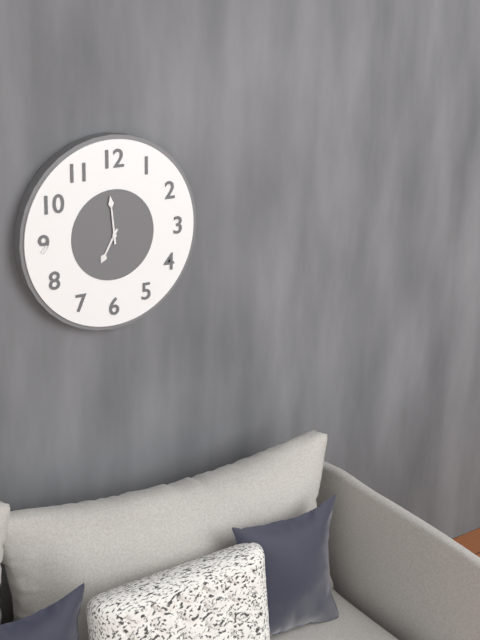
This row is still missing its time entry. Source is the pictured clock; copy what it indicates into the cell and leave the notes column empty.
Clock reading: 6:59
